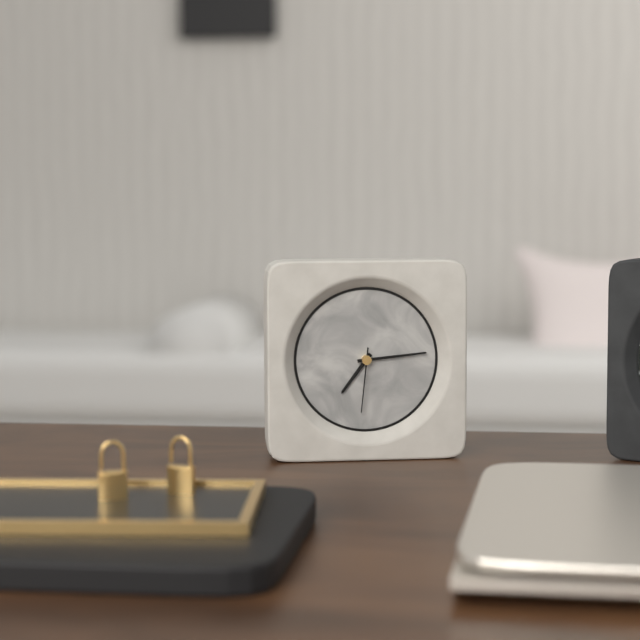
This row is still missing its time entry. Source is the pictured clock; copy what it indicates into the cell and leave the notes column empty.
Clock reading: 7:14:31
